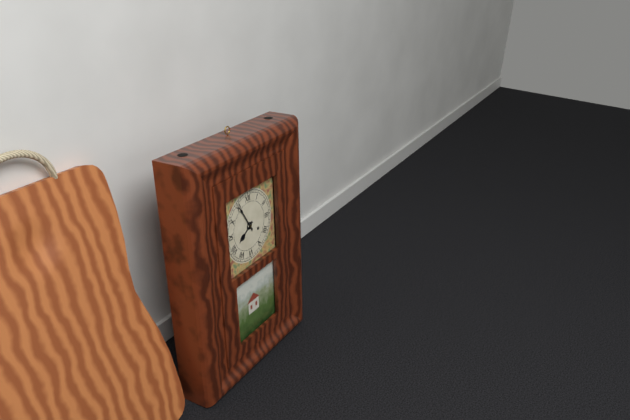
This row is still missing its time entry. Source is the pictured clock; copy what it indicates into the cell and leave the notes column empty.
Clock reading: 7:55
